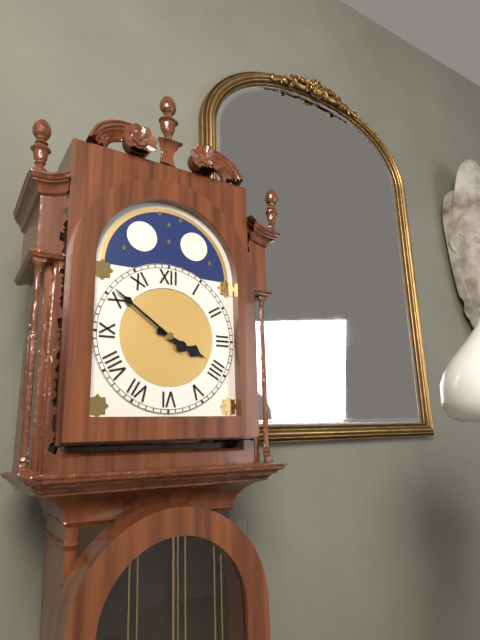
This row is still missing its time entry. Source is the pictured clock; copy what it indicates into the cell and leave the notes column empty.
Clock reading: 3:51
